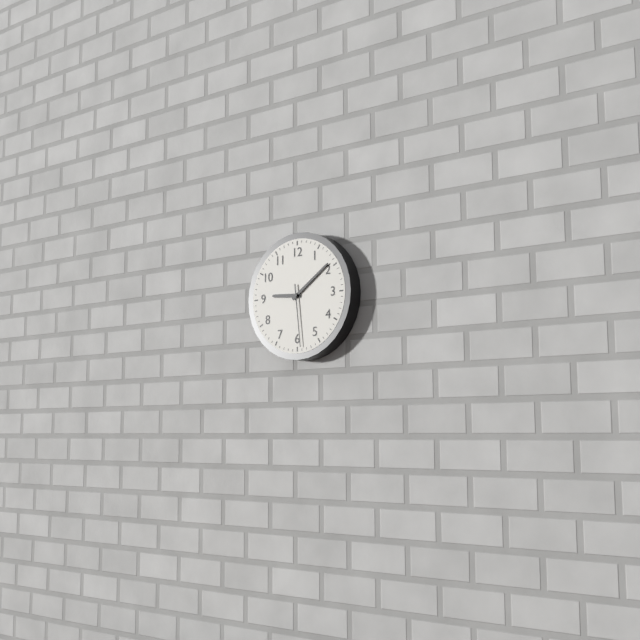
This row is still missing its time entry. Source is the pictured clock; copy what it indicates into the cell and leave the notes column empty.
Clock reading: 9:09:29
